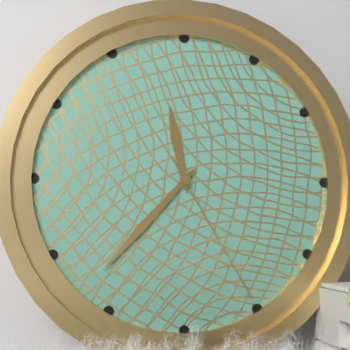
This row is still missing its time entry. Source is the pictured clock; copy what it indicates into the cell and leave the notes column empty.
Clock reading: 11:37:25
